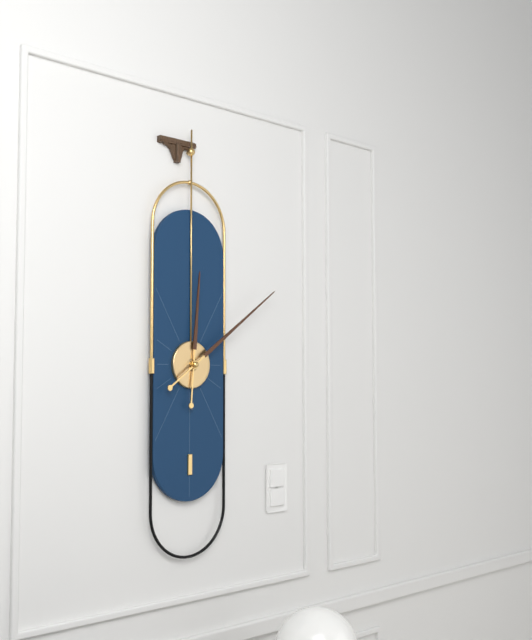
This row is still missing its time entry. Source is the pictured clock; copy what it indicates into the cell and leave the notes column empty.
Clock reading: 12:09
